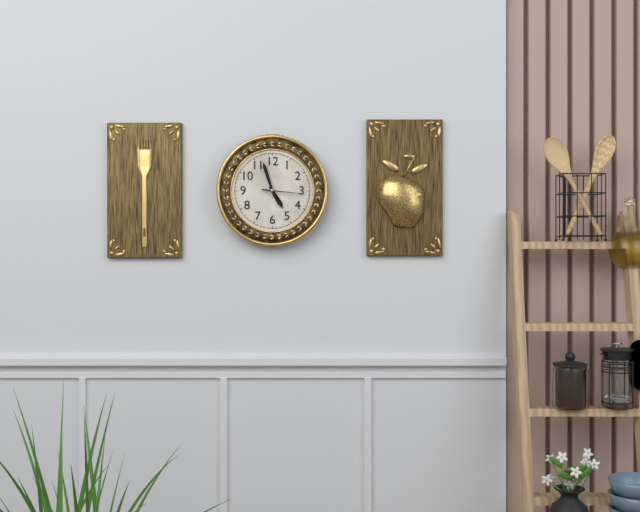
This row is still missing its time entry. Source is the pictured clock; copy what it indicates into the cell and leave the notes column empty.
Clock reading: 4:57
